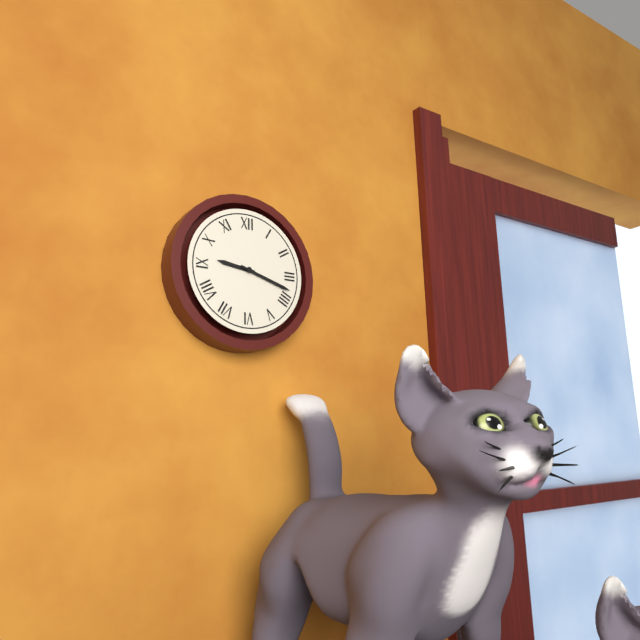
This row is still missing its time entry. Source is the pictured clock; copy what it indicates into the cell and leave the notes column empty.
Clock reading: 9:18
